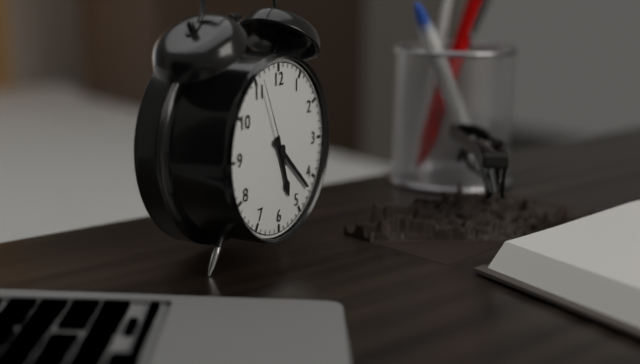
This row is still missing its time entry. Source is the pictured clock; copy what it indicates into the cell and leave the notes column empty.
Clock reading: 5:22:56
